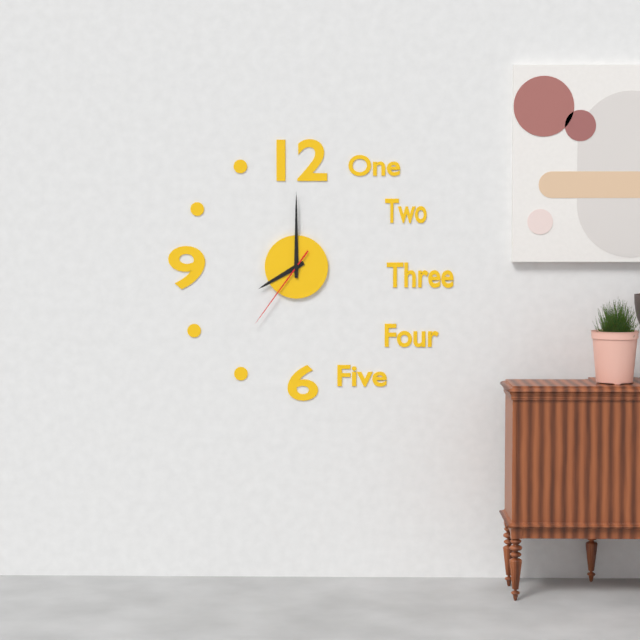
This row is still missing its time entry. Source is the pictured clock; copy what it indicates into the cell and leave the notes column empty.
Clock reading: 8:00:36
